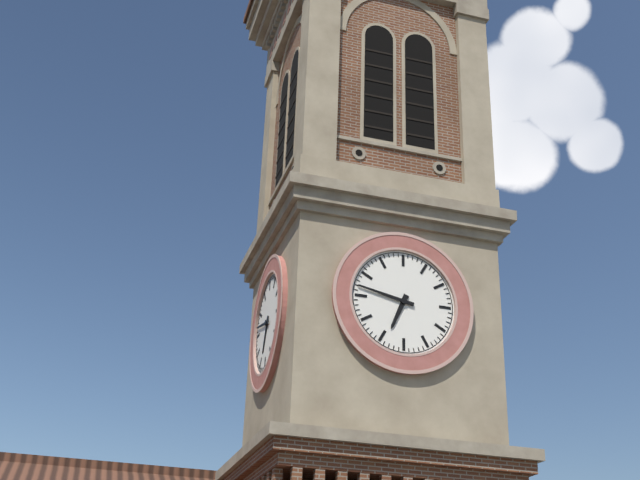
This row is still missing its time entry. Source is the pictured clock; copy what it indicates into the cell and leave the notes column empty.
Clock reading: 6:47
